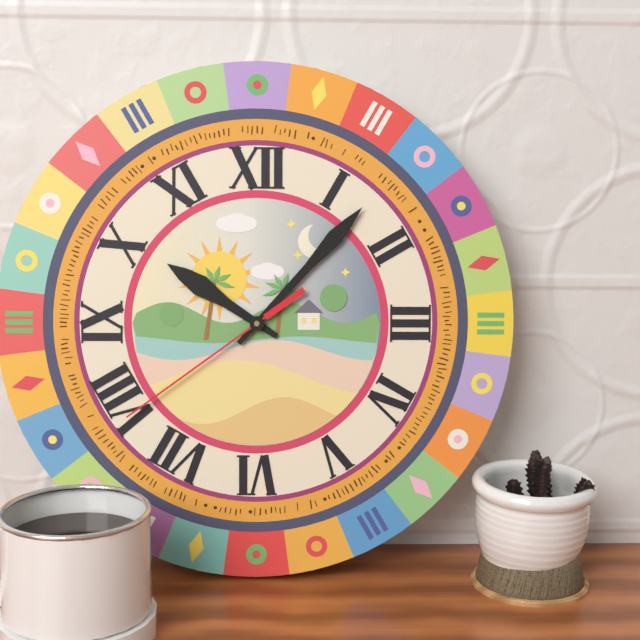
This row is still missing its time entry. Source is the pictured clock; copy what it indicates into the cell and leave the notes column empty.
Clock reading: 10:07:39
